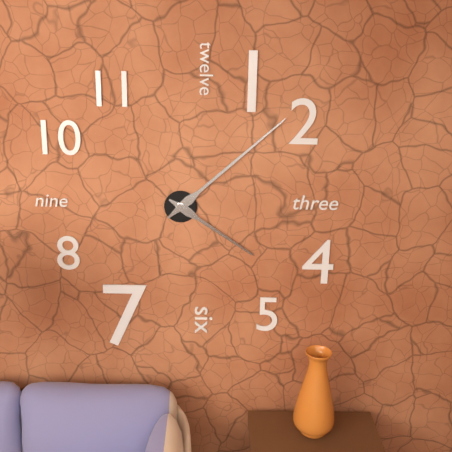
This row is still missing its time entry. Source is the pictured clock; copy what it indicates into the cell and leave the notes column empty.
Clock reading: 4:08
